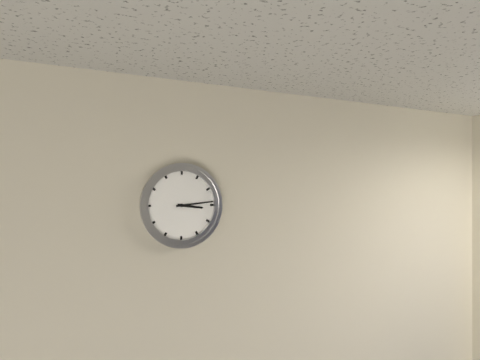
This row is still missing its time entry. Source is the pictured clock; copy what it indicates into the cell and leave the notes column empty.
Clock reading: 3:14
